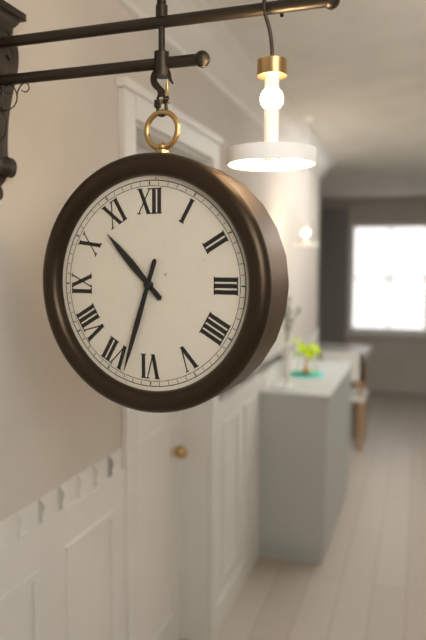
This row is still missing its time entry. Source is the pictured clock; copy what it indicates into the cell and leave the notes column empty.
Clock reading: 10:33
